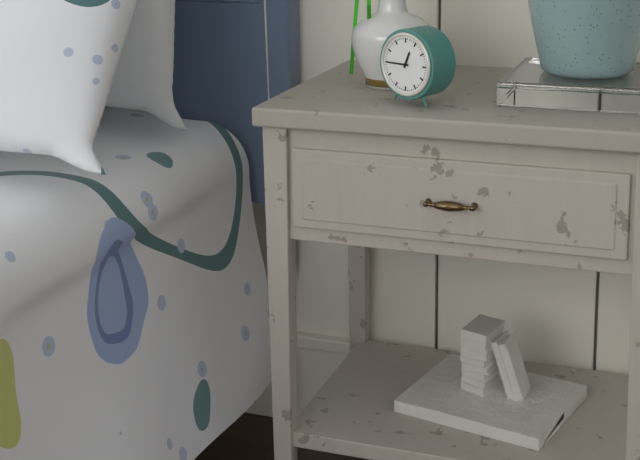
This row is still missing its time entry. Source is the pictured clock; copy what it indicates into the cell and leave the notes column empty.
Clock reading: 12:45
